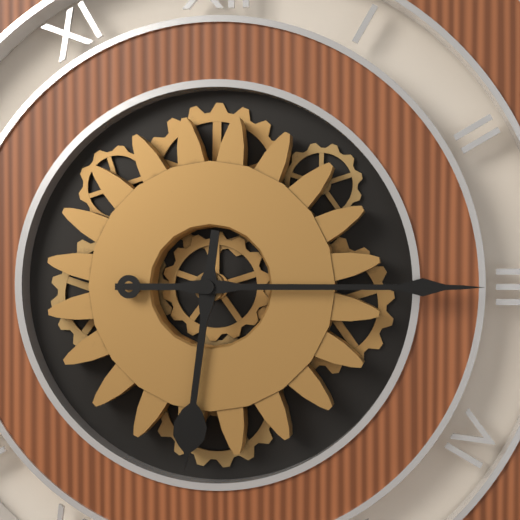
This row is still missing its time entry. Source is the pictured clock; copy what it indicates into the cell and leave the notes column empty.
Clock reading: 6:15
